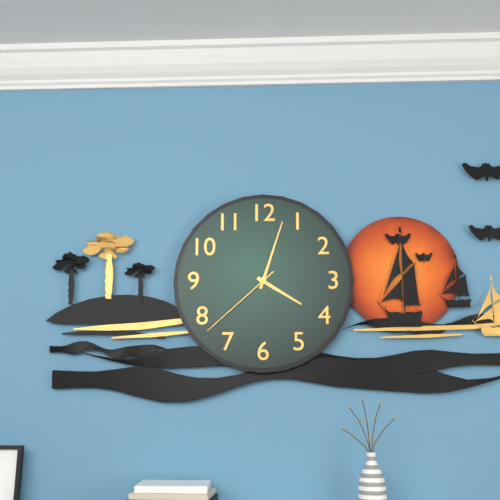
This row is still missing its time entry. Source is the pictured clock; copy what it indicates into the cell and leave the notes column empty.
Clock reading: 4:03:38
